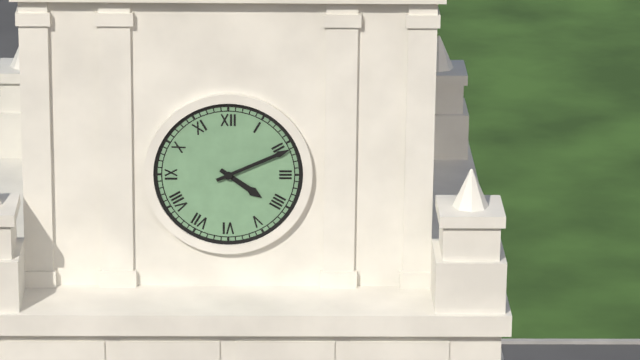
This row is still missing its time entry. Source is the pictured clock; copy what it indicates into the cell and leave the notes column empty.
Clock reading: 4:11
